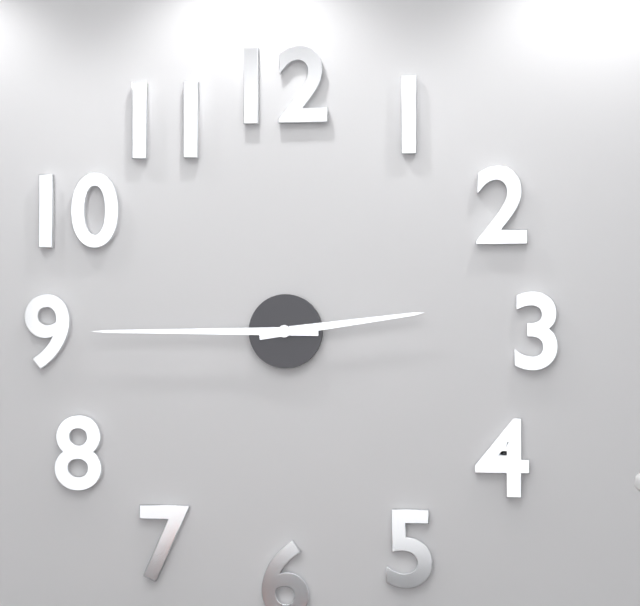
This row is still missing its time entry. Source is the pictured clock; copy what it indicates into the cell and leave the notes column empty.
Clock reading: 2:45
